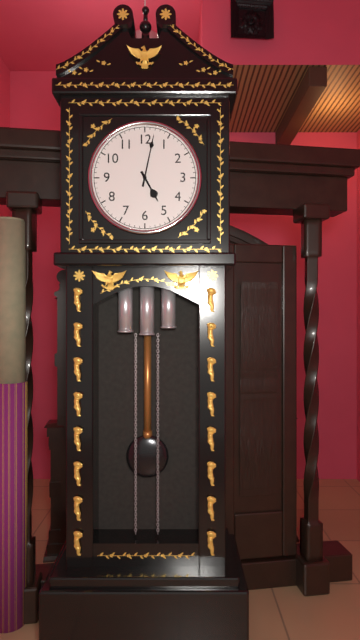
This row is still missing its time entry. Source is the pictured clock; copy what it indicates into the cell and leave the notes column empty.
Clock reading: 5:02
